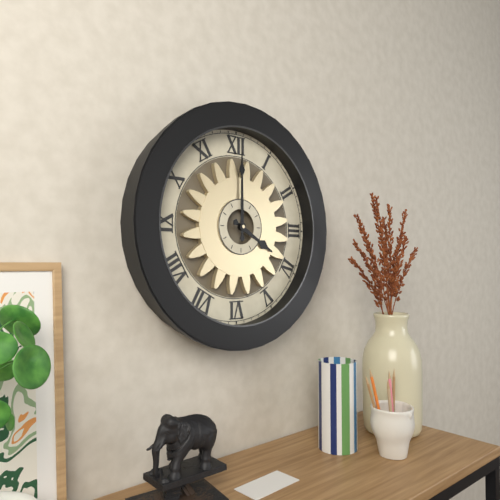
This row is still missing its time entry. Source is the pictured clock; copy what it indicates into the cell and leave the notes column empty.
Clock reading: 4:00
